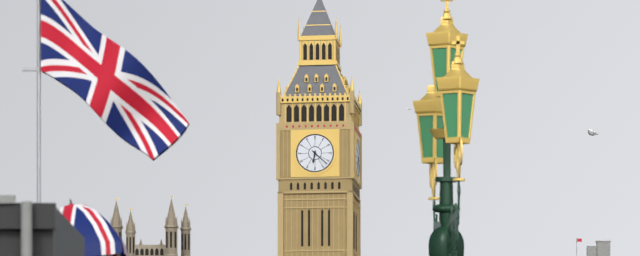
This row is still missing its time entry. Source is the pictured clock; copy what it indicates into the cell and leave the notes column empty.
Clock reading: 6:22
